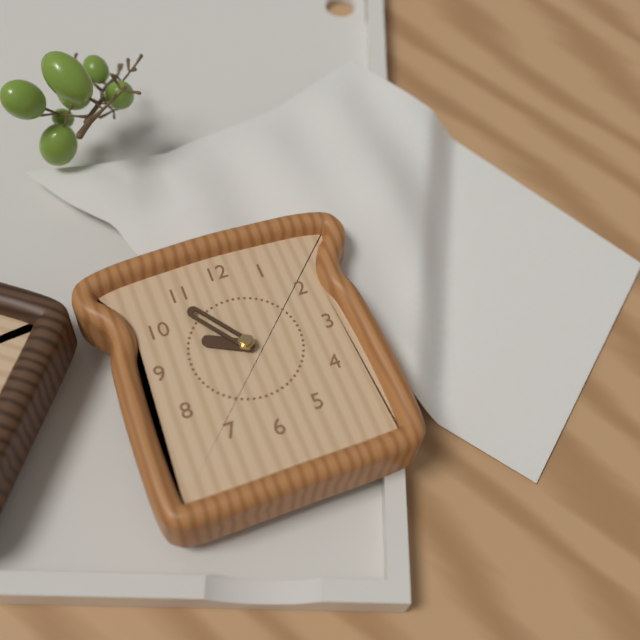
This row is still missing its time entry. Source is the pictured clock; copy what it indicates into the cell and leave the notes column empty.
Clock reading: 9:54
